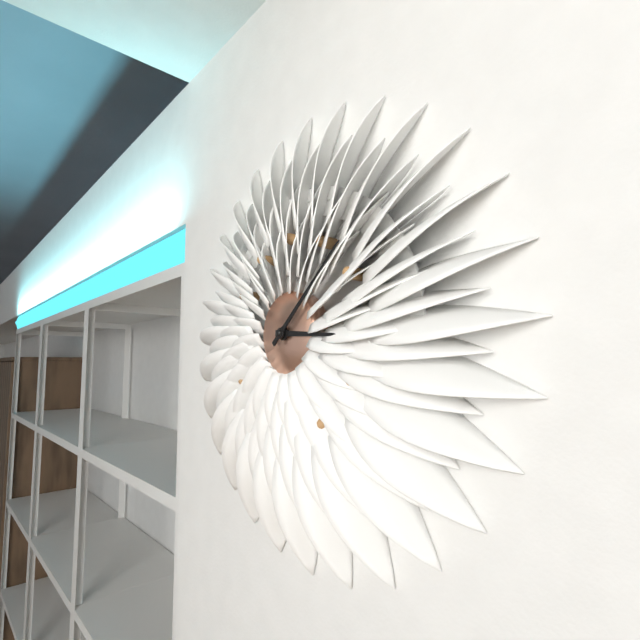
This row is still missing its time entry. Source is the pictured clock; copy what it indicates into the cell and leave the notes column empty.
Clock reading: 3:08
